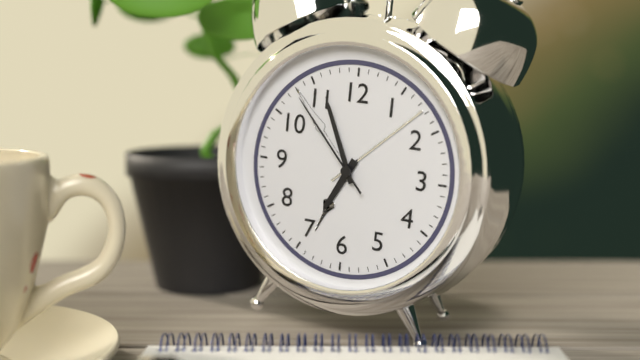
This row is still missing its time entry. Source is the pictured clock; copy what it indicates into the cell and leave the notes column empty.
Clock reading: 6:56:53
